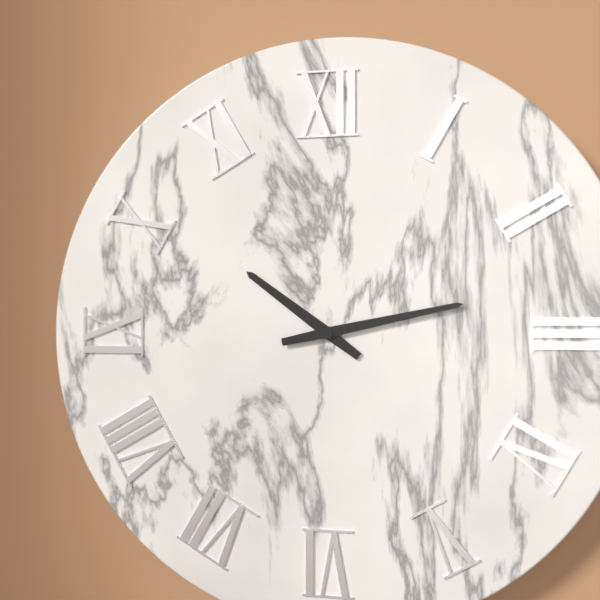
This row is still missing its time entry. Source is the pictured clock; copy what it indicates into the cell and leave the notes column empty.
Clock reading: 10:13
